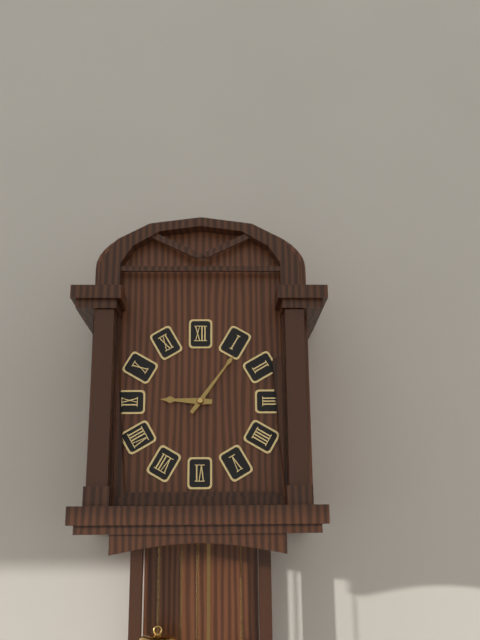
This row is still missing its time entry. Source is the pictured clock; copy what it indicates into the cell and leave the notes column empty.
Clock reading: 9:06
